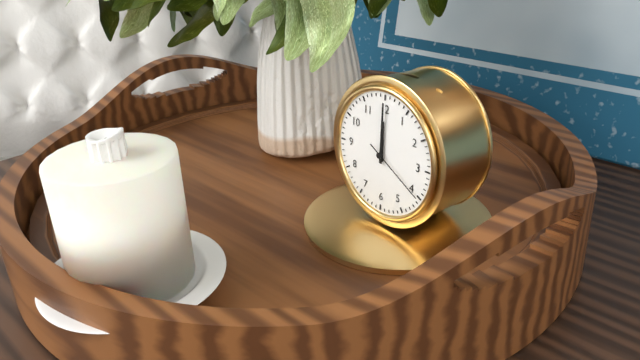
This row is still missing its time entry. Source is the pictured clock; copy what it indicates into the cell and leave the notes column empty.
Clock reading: 12:00:20
